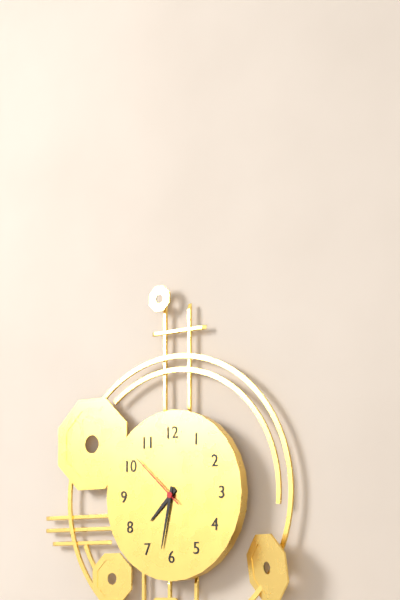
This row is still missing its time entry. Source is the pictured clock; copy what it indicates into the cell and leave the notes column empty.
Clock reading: 7:32:52
